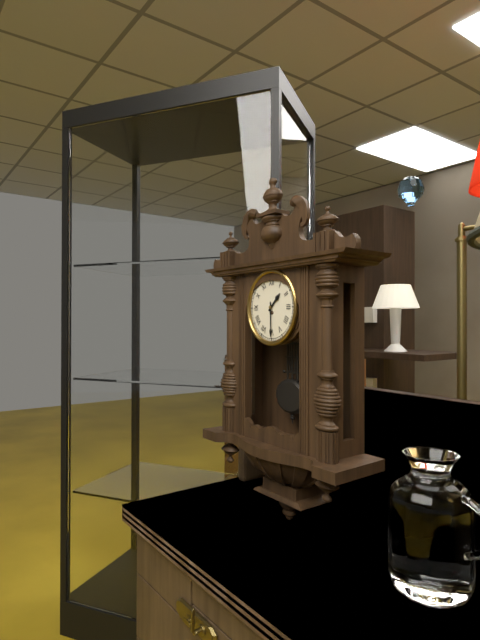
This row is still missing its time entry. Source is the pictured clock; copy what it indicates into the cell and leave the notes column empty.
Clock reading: 1:30
